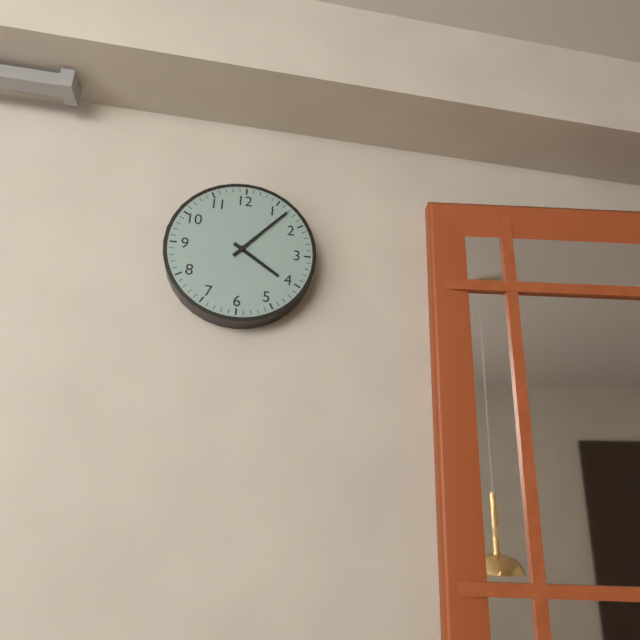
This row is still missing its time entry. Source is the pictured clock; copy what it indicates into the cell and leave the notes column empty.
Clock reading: 4:07
